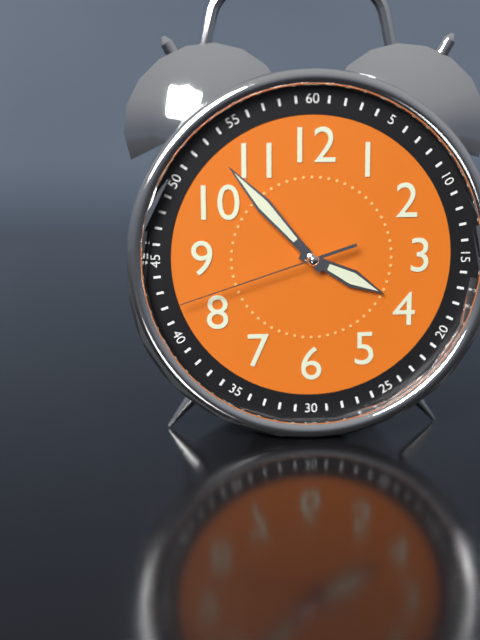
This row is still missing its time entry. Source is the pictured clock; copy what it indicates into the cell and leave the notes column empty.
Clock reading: 3:53:42
